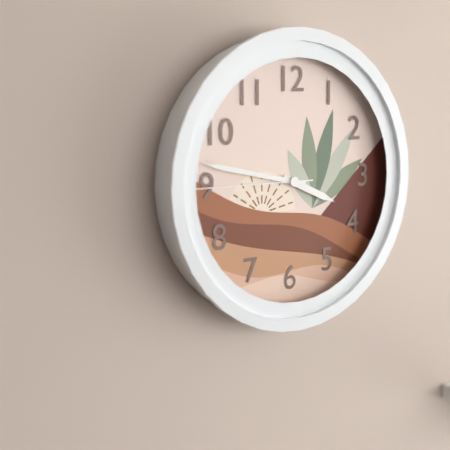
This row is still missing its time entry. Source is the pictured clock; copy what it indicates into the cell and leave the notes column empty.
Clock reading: 3:47:45
